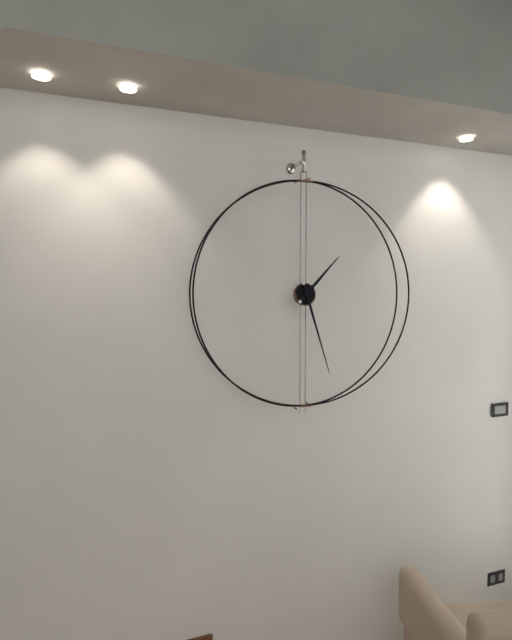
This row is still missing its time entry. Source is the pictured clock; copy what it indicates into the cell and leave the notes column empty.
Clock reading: 1:27
